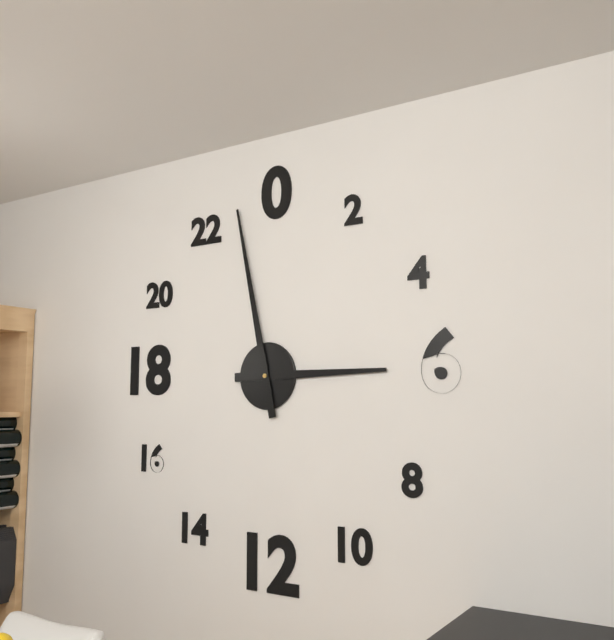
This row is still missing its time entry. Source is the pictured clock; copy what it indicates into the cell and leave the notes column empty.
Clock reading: 2:58
